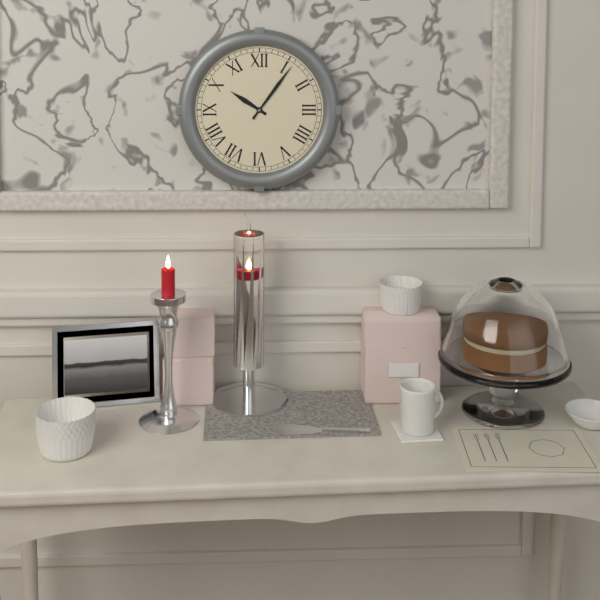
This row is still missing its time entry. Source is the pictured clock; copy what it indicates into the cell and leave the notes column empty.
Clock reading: 10:06
